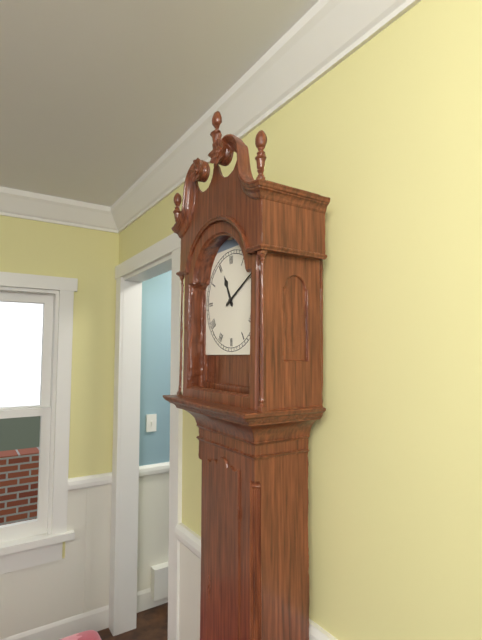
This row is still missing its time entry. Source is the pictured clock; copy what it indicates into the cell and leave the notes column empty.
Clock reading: 11:10
